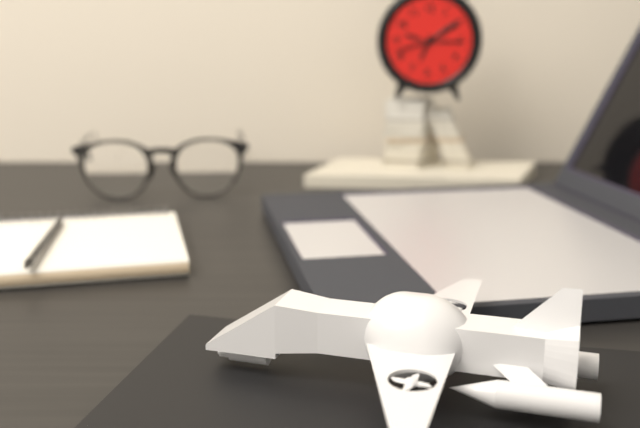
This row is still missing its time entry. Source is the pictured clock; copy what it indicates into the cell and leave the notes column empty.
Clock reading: 6:42
